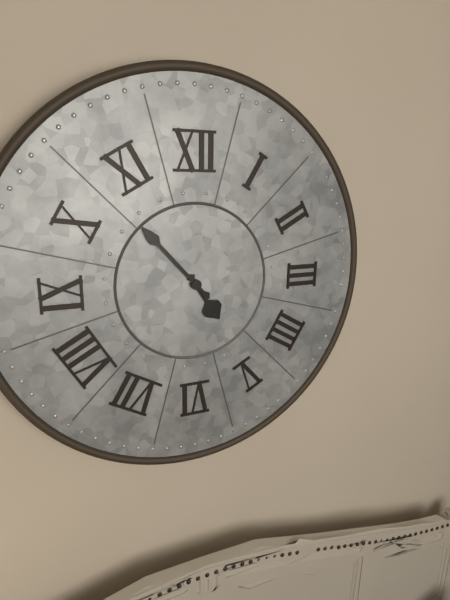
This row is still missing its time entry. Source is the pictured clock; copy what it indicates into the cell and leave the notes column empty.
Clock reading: 4:53
